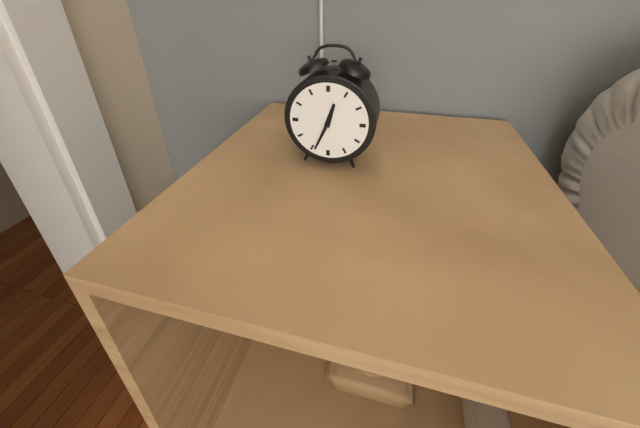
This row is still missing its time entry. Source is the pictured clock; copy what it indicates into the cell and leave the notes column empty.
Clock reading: 12:34
